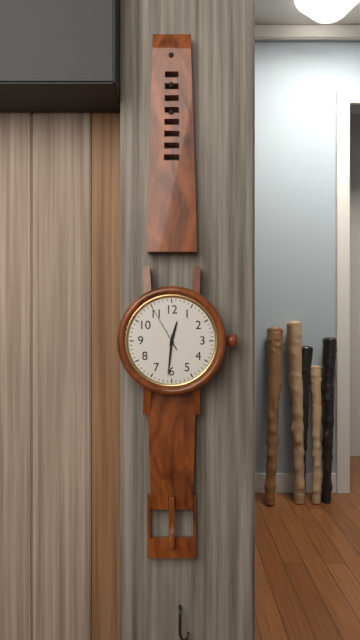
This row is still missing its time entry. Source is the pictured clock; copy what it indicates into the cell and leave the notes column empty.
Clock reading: 12:31
